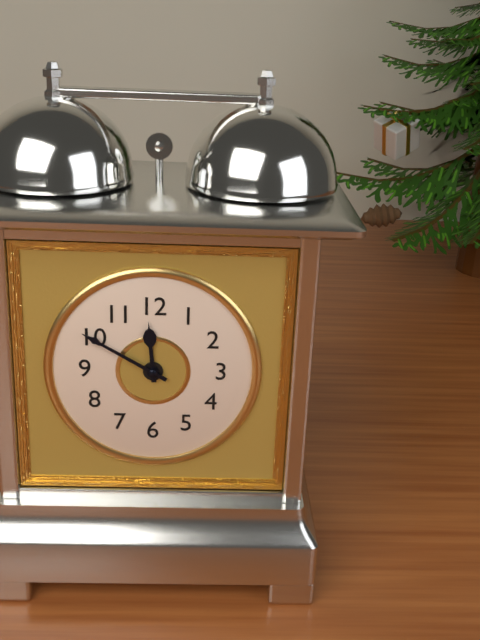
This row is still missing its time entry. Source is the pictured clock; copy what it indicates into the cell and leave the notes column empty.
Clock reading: 11:50
